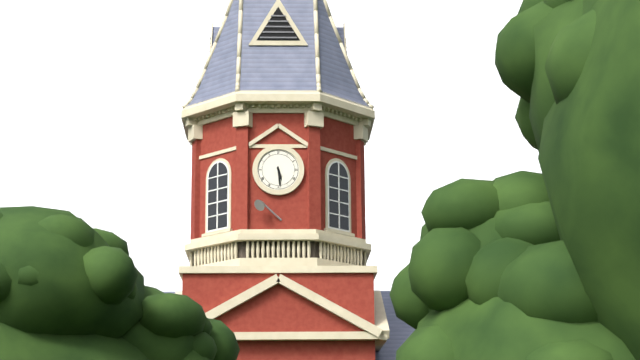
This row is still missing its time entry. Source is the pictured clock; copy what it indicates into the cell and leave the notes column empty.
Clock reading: 5:29
